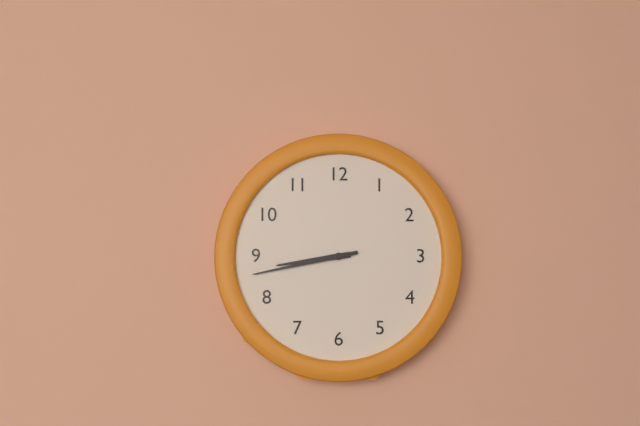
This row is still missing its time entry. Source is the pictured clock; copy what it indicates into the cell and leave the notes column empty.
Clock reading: 8:43
